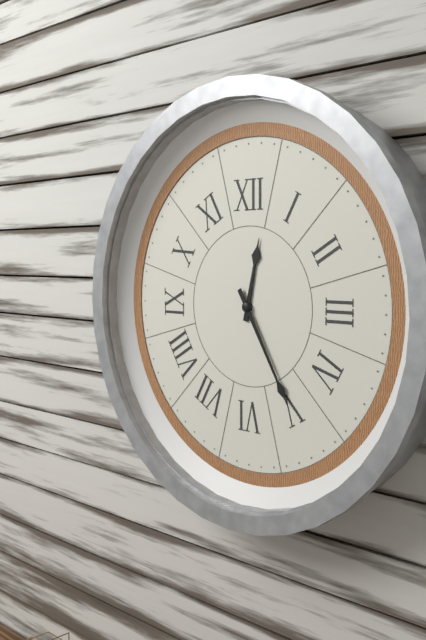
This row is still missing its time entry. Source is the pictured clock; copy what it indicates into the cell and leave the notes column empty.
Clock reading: 12:25
